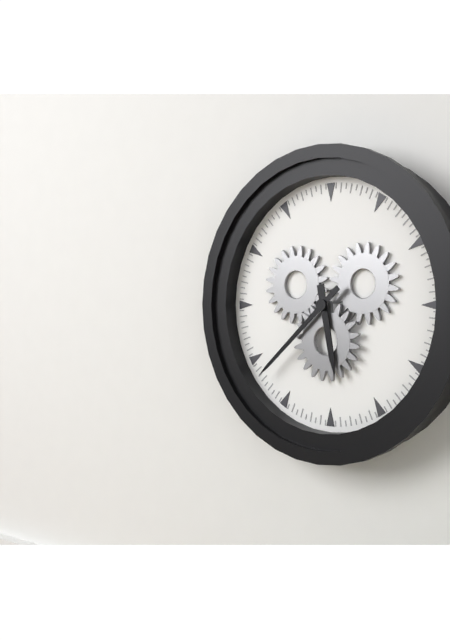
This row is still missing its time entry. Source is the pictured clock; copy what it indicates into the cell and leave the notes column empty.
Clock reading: 5:38
